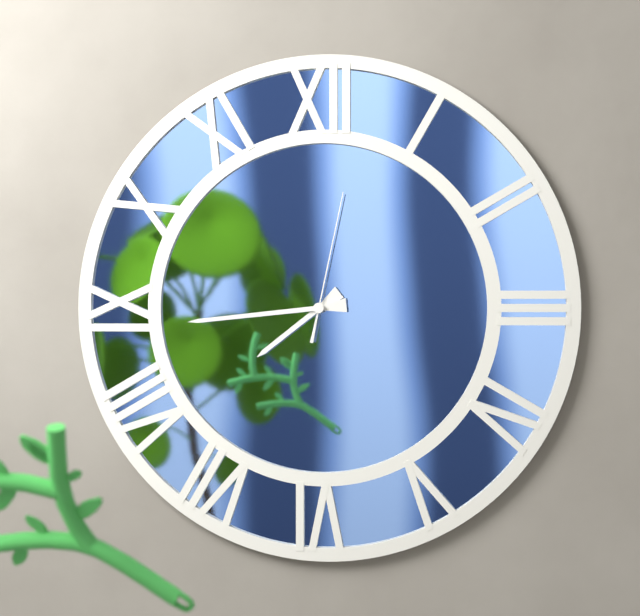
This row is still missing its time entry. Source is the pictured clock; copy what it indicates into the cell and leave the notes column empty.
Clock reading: 7:44:02
